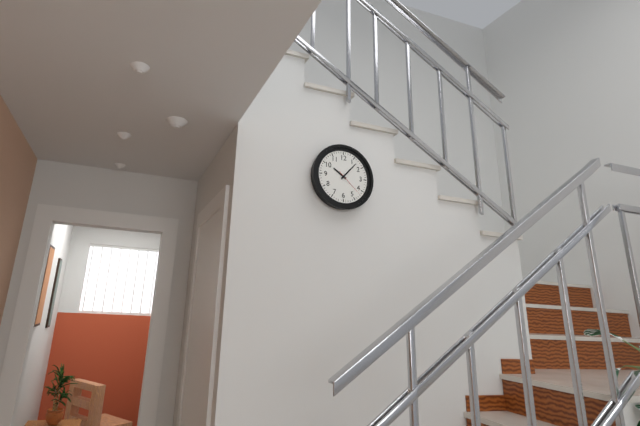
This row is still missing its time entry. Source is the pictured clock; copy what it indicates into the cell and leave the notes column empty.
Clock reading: 10:07
